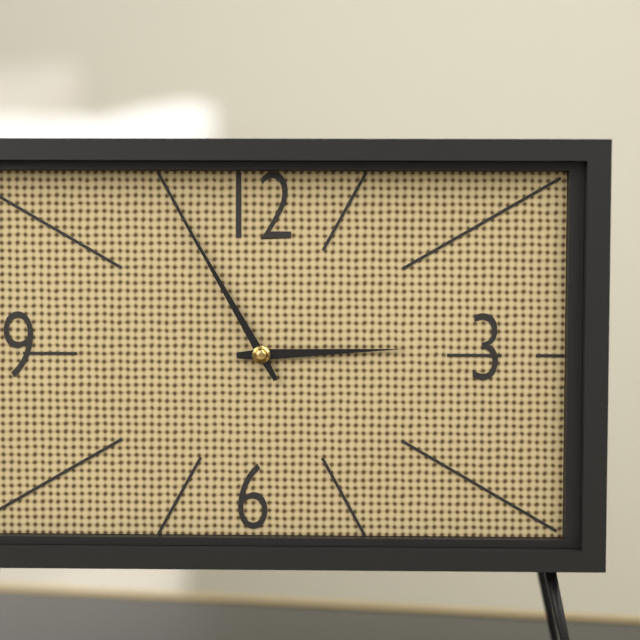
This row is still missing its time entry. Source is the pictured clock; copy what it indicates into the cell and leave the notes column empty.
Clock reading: 2:55
